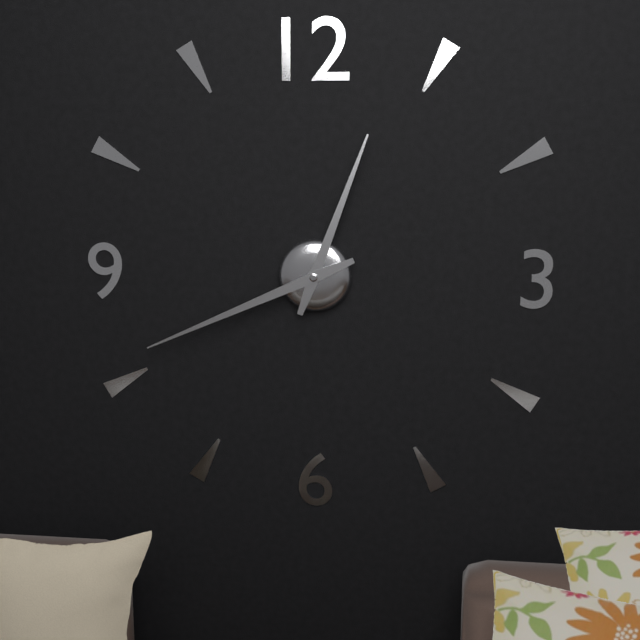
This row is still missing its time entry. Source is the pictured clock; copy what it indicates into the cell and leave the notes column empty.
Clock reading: 12:41
